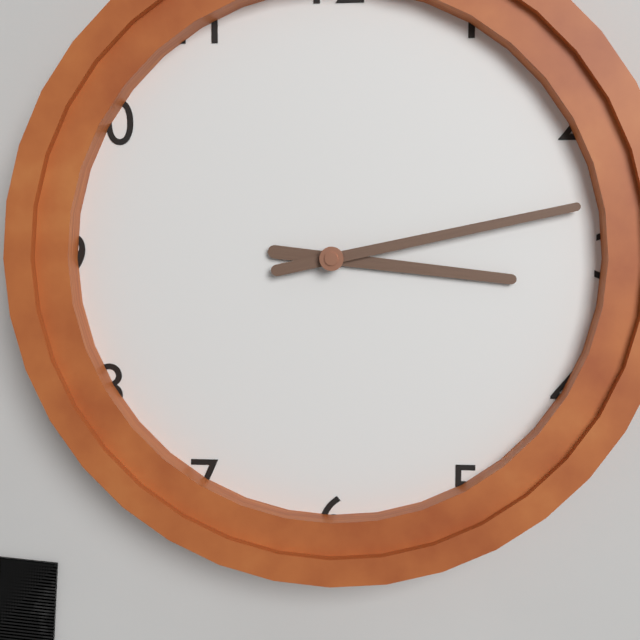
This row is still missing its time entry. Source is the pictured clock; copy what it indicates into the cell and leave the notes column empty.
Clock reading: 3:13
